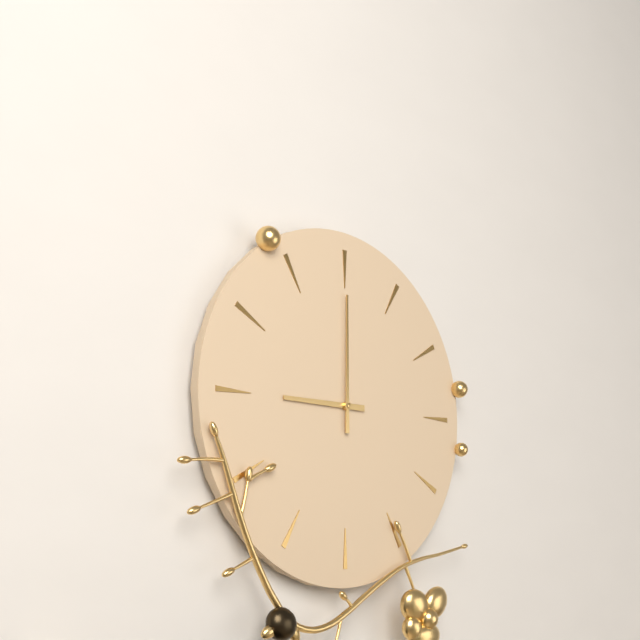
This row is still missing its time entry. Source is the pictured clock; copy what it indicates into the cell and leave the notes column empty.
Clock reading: 9:00
